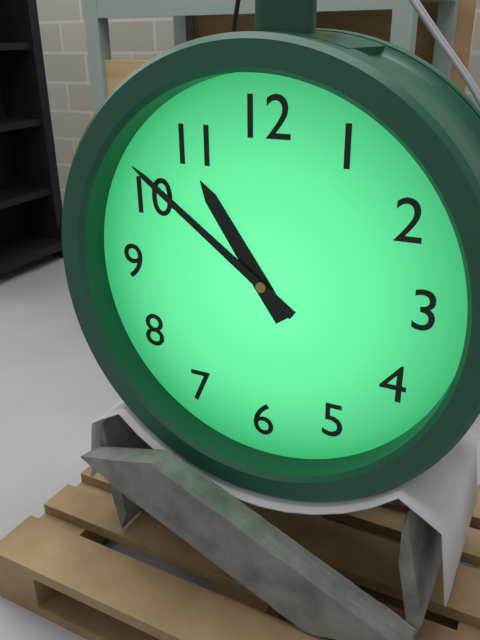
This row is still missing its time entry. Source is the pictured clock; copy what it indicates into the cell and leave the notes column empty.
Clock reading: 10:51
